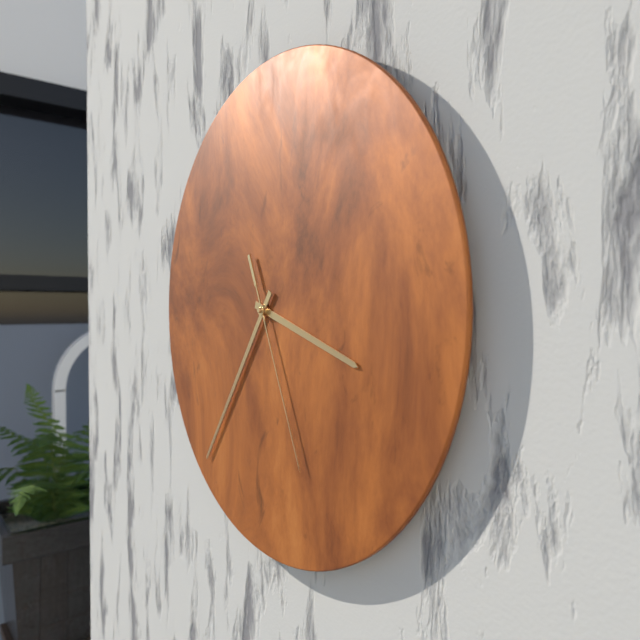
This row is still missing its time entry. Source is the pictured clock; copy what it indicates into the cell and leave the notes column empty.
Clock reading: 3:36:26
